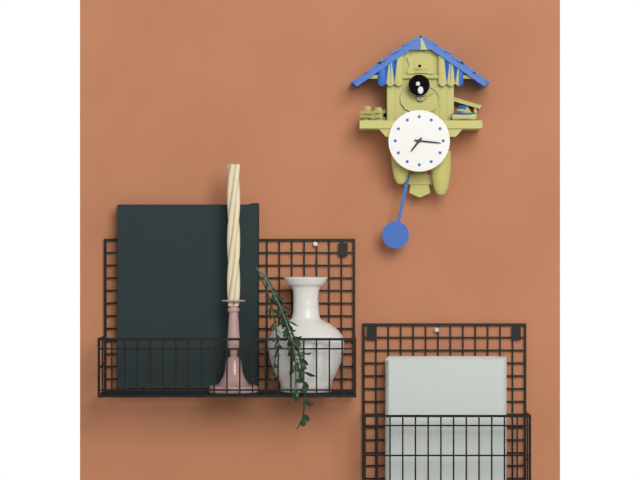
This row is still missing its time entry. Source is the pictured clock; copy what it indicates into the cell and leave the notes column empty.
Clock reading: 7:16
